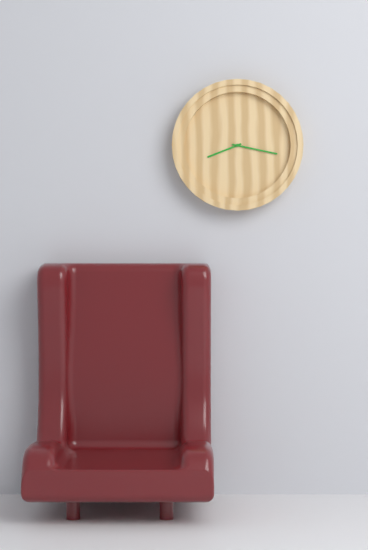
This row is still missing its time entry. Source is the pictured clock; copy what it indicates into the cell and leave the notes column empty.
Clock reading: 8:17
